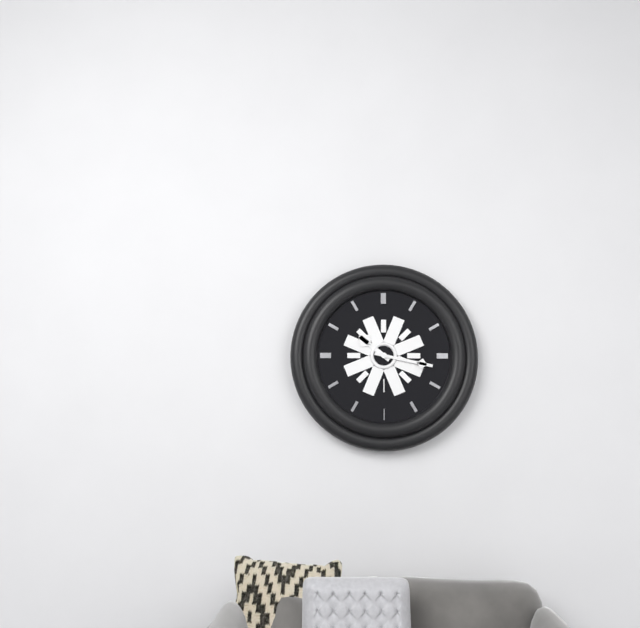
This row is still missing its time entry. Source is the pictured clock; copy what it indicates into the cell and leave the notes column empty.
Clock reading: 10:17
